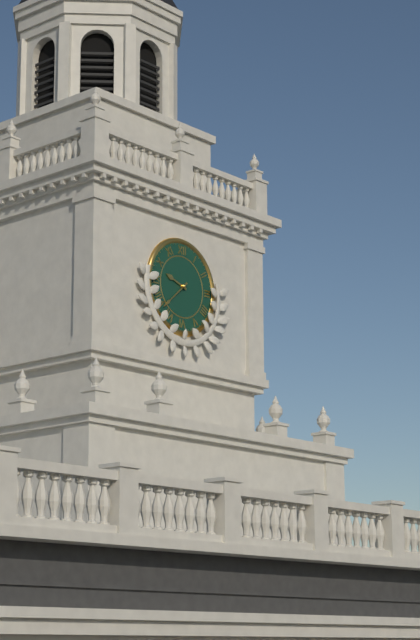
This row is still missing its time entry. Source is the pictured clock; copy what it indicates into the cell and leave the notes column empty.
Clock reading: 9:38
